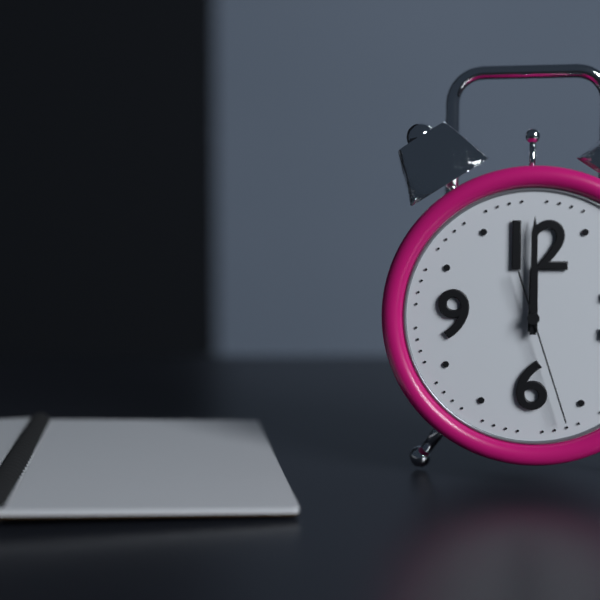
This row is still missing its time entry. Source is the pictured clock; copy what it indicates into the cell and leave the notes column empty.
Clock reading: 12:00:27
